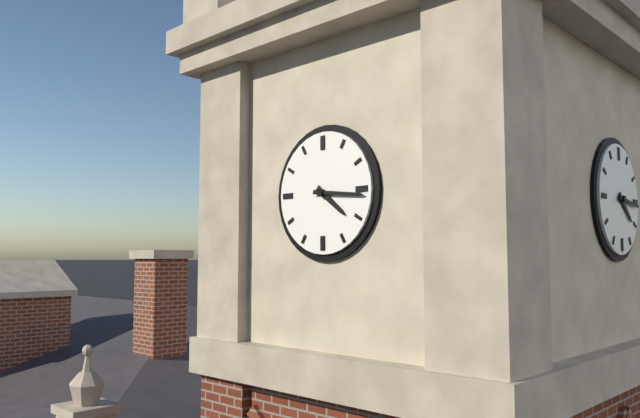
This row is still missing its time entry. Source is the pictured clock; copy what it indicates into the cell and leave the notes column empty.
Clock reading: 4:16
